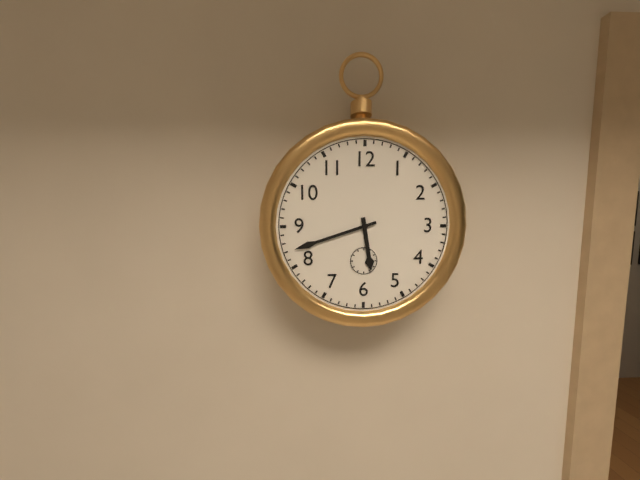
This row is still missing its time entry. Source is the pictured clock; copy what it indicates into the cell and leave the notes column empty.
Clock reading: 5:42
